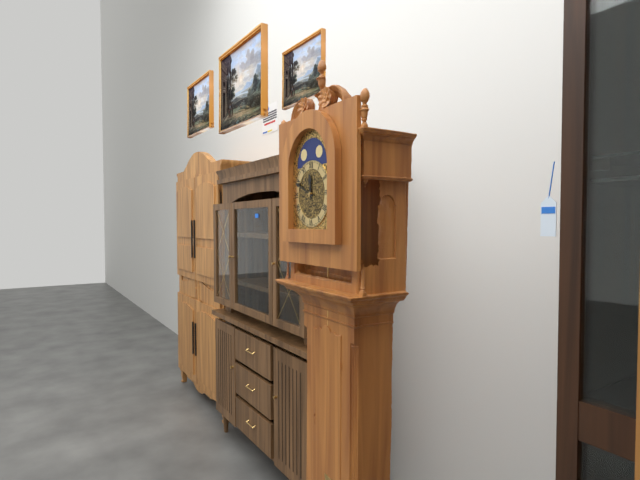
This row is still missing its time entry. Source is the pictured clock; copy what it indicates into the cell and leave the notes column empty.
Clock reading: 11:49
